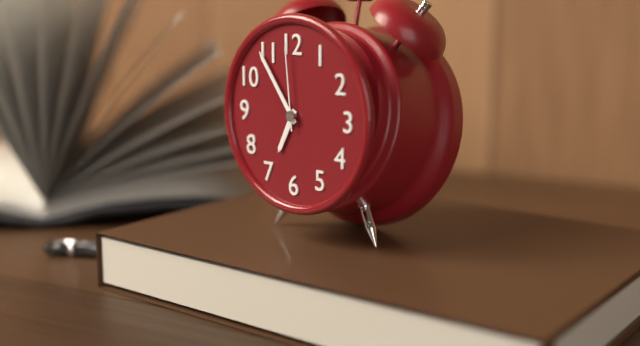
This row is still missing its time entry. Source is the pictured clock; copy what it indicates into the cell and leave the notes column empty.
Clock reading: 6:54:59
